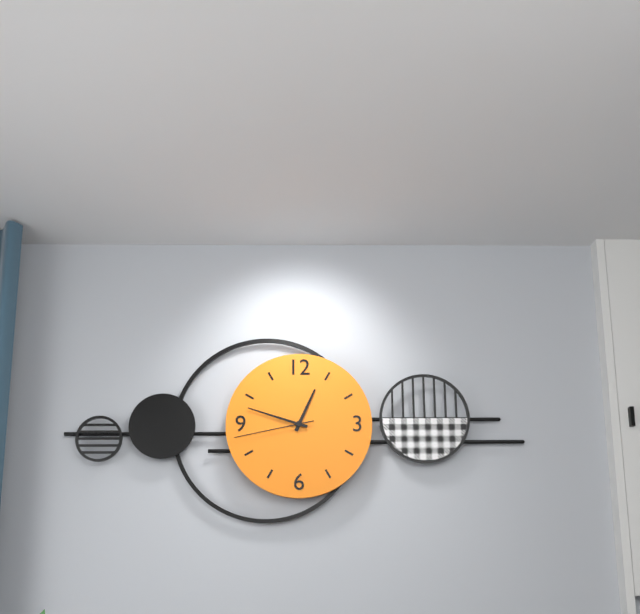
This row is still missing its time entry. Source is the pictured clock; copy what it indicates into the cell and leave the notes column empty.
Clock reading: 12:48:43
